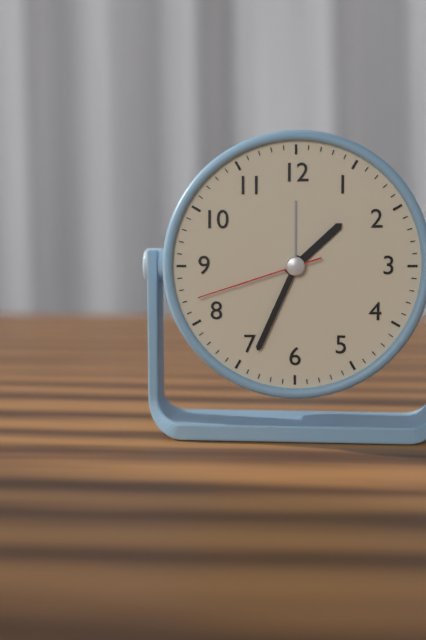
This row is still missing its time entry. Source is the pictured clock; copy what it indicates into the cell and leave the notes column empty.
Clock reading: 1:34:42
